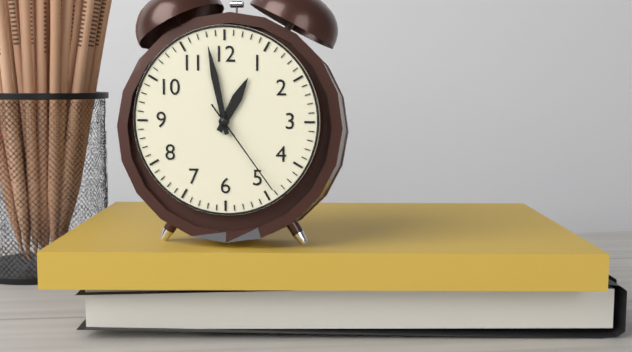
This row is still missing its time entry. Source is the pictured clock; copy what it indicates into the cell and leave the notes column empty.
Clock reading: 12:58:24
